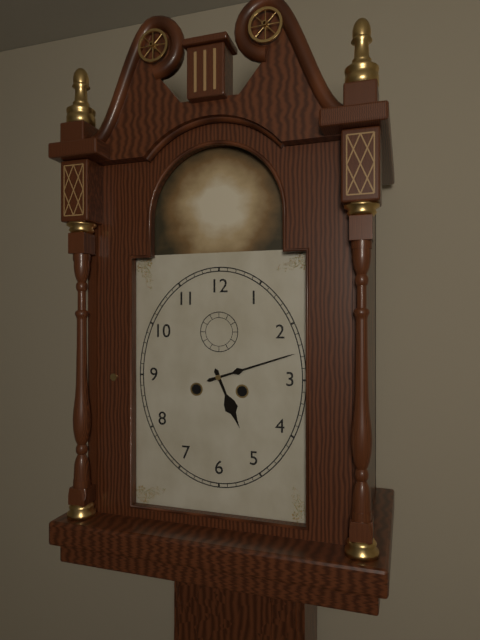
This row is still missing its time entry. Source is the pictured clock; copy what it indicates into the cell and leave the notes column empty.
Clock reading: 5:12
